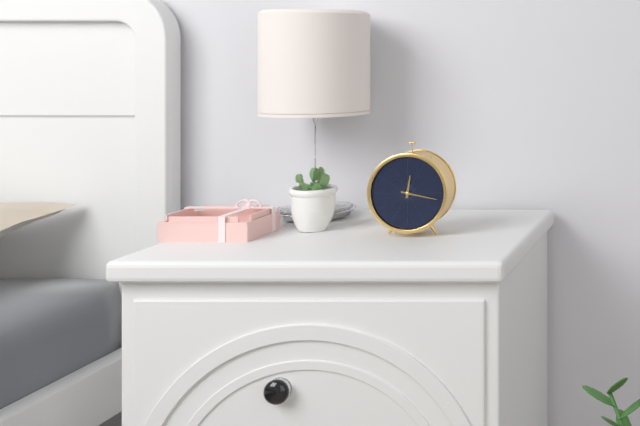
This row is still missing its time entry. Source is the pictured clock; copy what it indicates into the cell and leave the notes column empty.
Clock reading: 12:17
